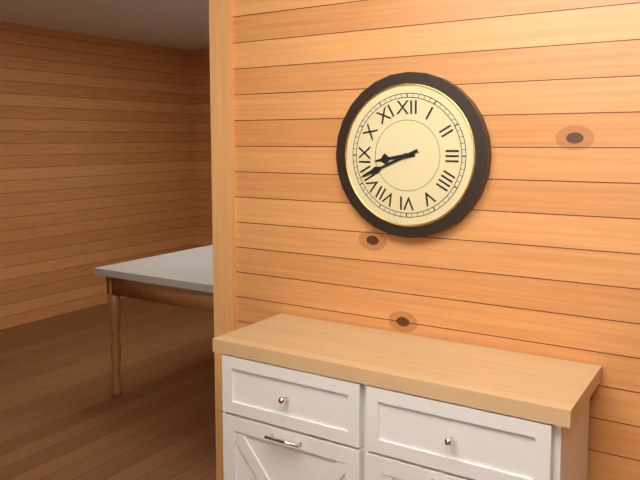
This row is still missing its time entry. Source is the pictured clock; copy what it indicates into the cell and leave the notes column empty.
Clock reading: 8:41
